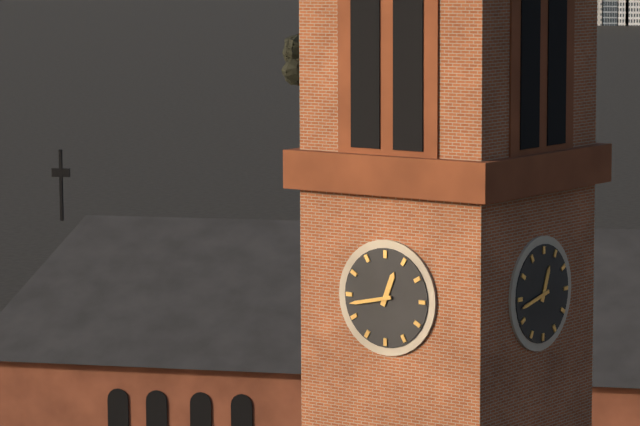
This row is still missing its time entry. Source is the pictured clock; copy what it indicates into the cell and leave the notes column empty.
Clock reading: 12:43
